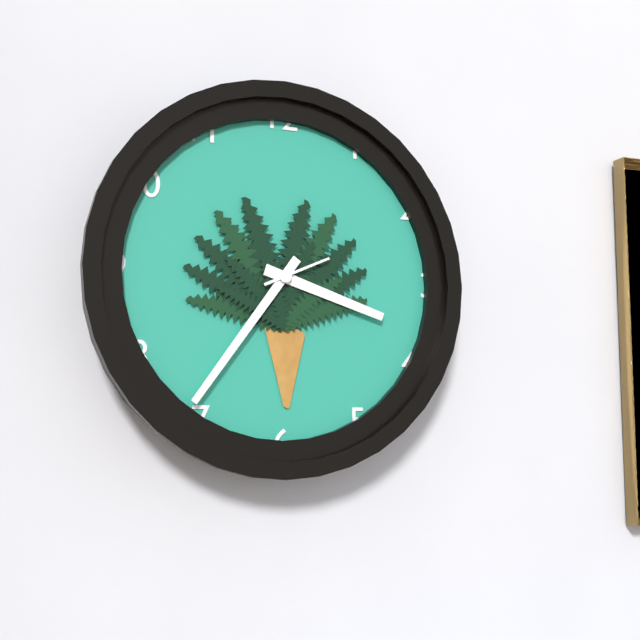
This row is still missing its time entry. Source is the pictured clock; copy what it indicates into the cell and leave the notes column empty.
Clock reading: 3:36:11
